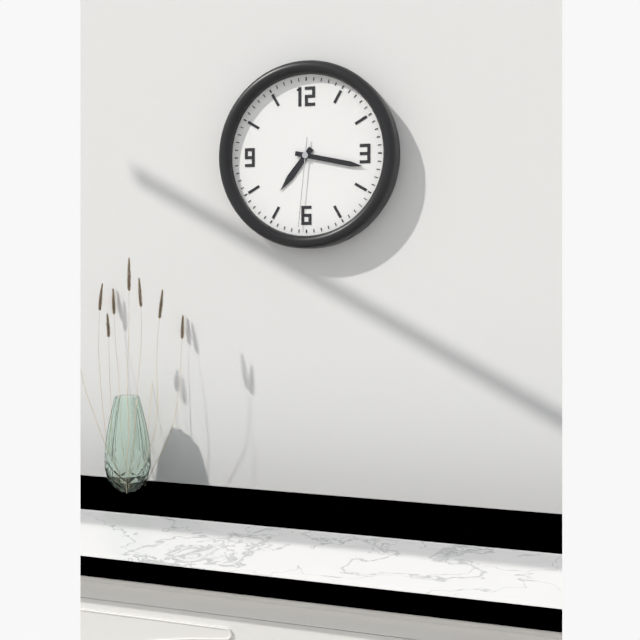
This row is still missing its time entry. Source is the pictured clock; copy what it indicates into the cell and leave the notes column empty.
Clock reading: 7:17:31
